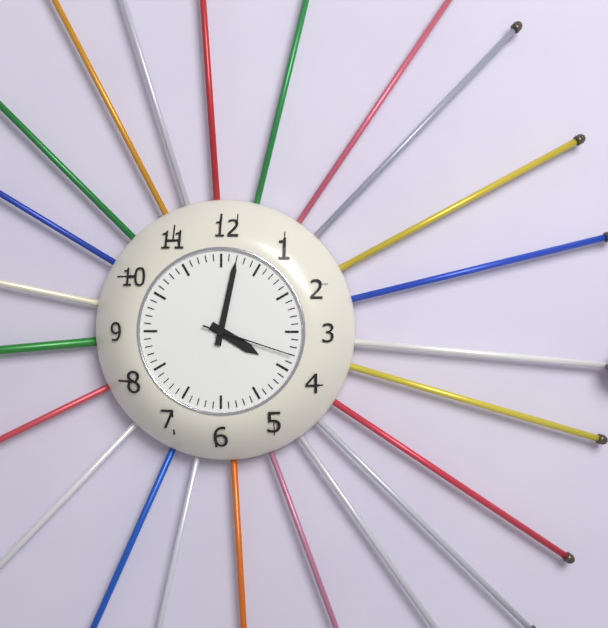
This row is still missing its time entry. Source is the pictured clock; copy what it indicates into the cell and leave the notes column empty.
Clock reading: 4:02:18
